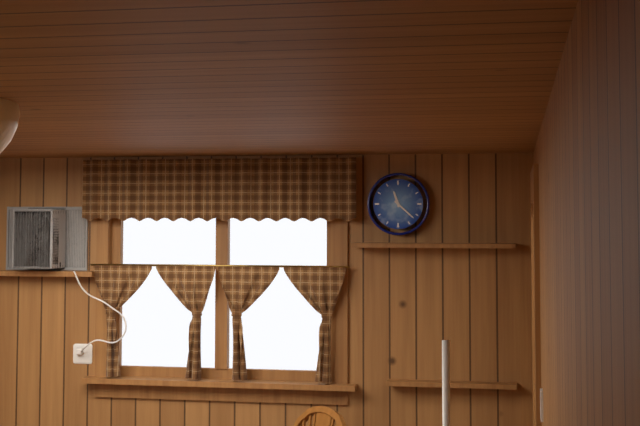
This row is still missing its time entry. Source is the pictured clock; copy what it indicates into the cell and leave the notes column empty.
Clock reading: 11:22
